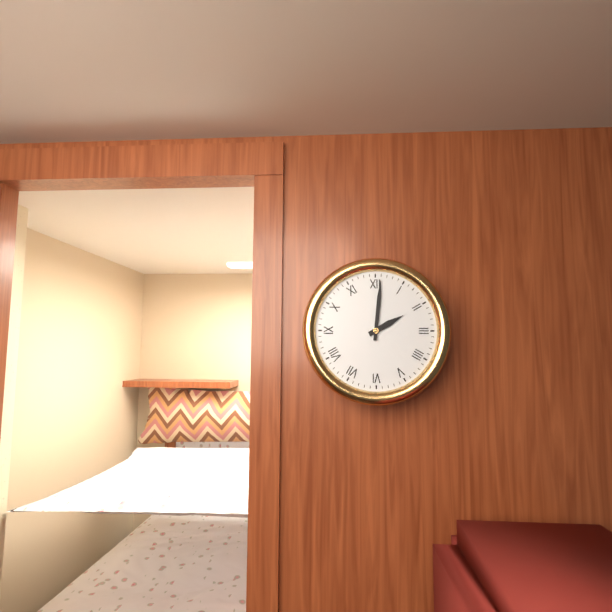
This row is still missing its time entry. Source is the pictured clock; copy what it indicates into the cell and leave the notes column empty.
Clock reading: 2:01
